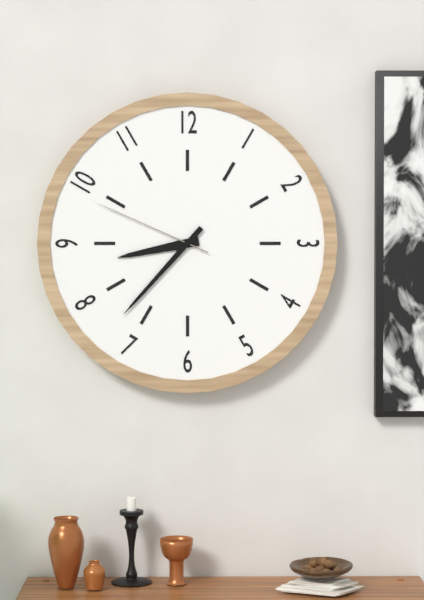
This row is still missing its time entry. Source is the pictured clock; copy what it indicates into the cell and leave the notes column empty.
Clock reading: 8:37:49
